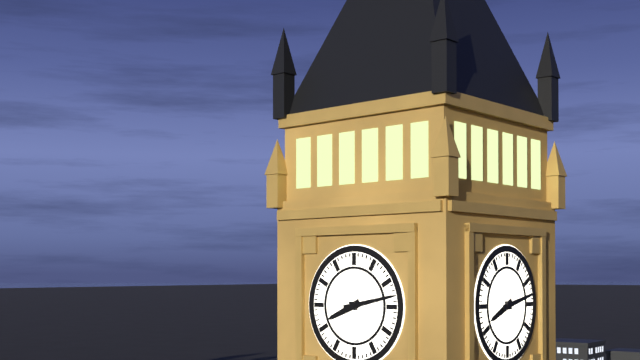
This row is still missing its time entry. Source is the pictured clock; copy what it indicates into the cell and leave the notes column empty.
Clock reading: 8:13
